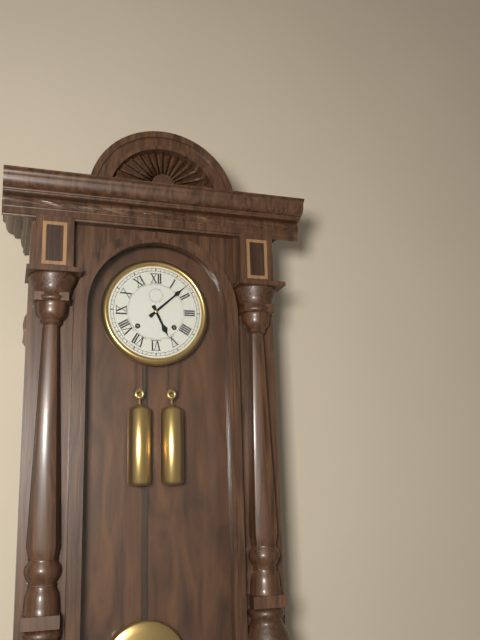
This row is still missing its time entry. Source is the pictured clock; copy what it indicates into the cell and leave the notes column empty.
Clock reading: 5:08
